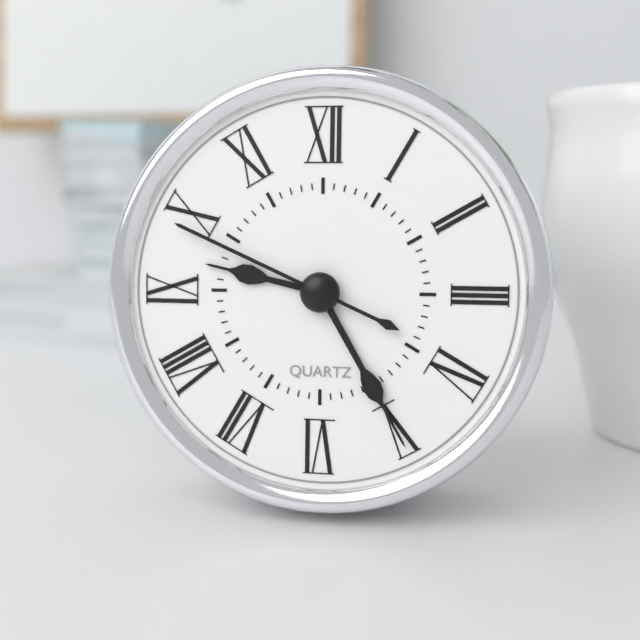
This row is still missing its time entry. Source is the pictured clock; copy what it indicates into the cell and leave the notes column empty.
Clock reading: 9:25:49
